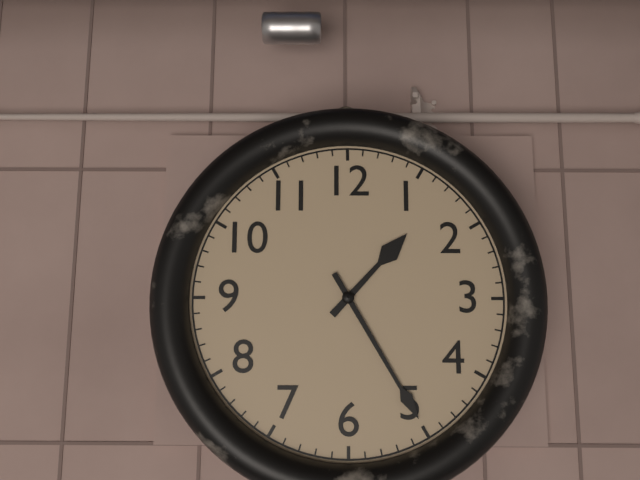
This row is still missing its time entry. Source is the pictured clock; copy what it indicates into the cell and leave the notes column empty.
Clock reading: 1:25
